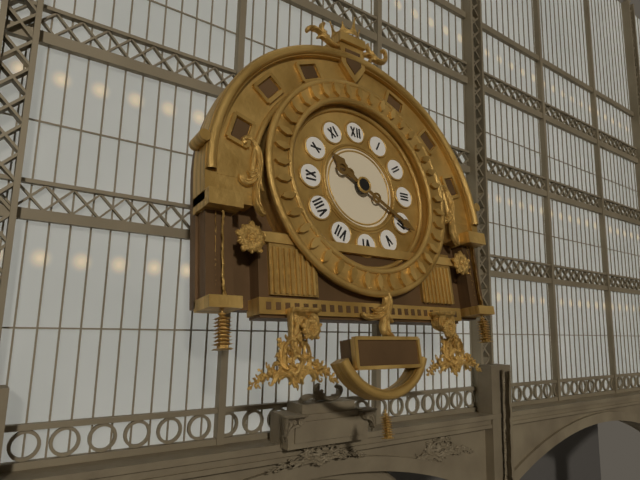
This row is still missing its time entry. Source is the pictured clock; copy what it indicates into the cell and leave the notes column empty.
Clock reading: 10:20
